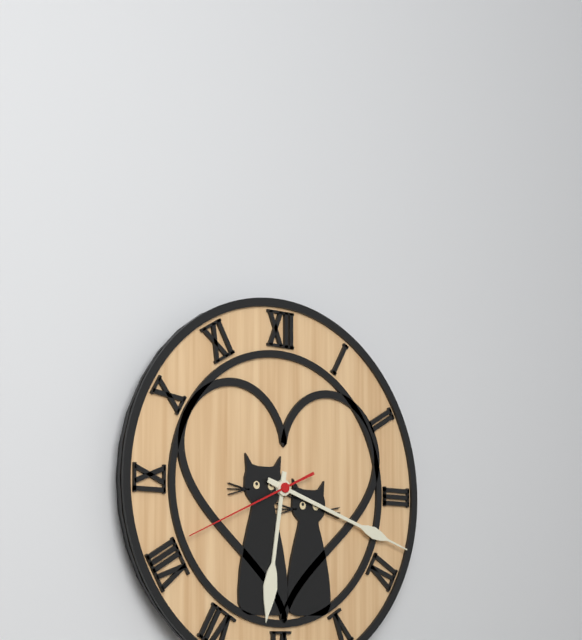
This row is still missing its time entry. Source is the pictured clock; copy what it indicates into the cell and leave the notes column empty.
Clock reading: 6:18:41
